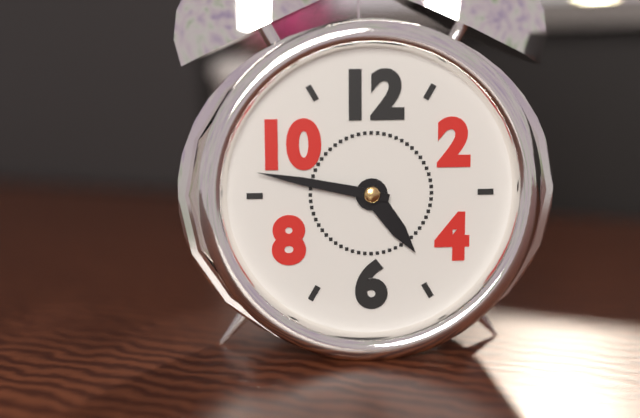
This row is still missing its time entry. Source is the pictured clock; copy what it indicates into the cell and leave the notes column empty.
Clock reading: 4:47
